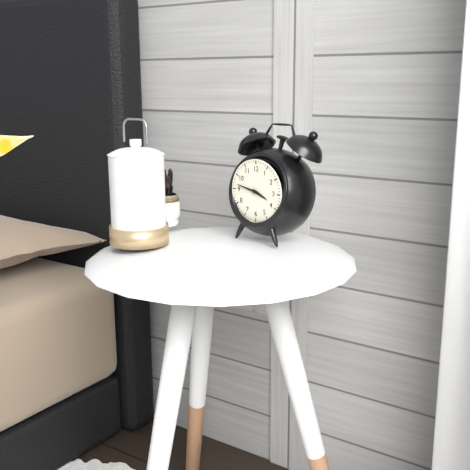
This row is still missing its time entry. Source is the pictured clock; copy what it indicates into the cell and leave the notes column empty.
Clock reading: 3:47
